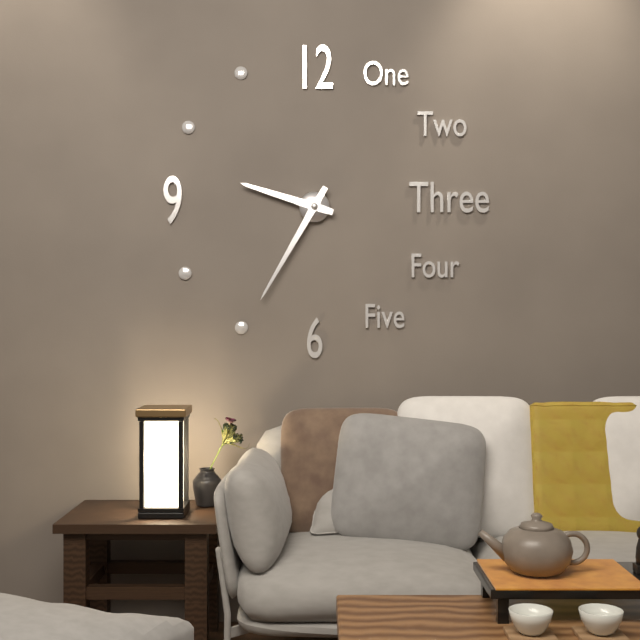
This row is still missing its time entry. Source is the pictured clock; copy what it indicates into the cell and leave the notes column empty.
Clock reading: 9:35
